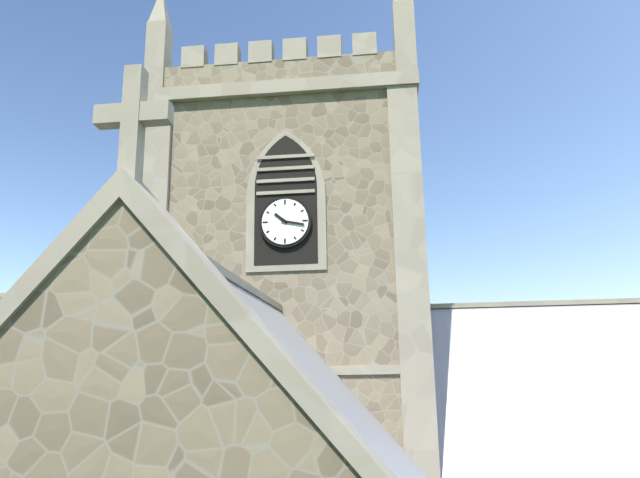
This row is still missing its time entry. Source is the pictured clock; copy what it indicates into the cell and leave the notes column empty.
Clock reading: 10:17
